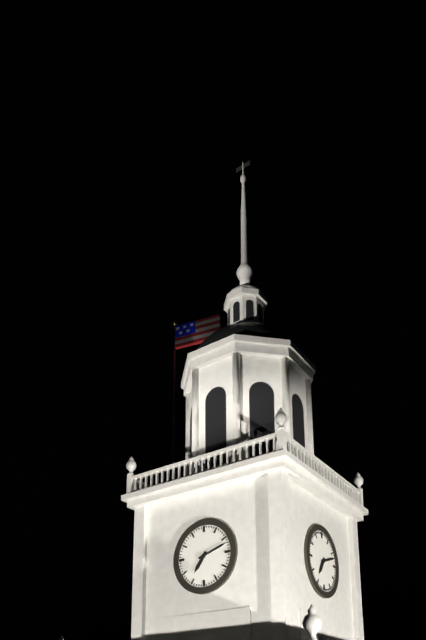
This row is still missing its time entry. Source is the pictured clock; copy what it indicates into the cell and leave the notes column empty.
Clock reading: 7:12
